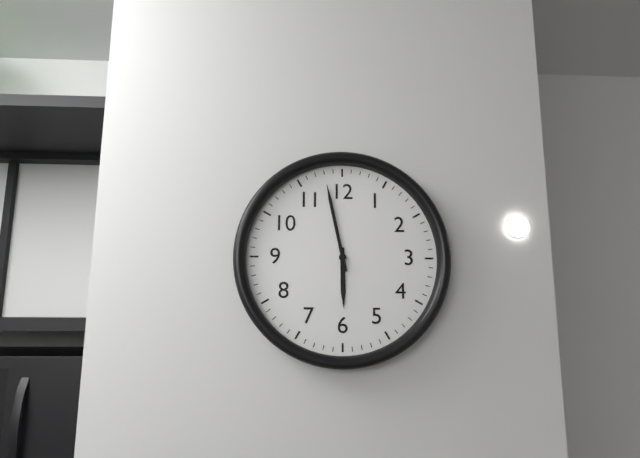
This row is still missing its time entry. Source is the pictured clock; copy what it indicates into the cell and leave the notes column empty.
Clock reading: 5:58
